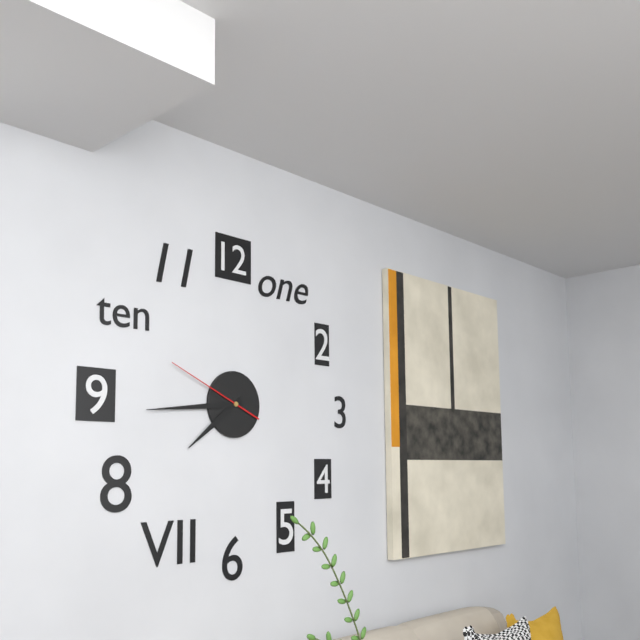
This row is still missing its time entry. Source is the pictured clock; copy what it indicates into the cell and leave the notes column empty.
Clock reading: 7:44:49
